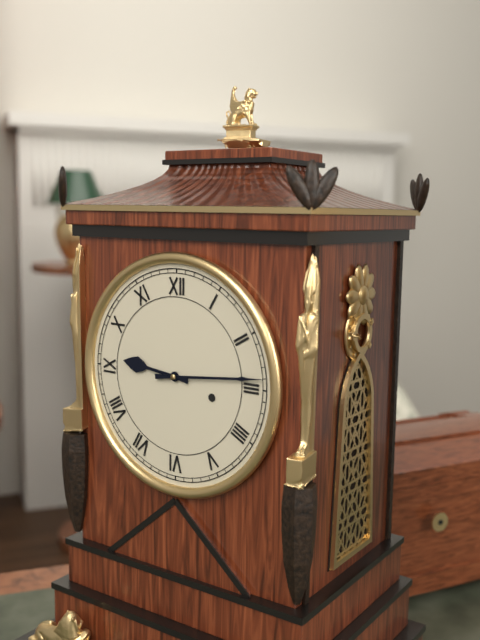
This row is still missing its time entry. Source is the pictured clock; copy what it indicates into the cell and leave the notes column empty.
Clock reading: 9:14
